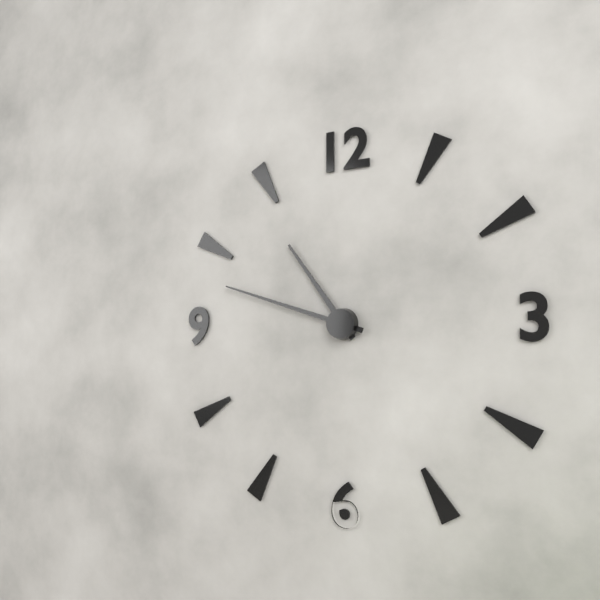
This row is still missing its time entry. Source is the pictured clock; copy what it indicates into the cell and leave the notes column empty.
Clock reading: 10:48
